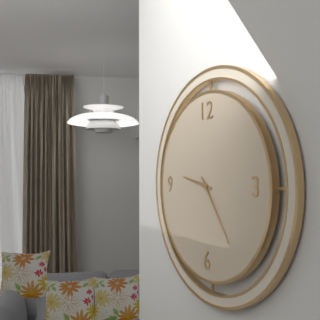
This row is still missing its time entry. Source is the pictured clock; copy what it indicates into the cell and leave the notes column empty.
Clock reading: 9:24
